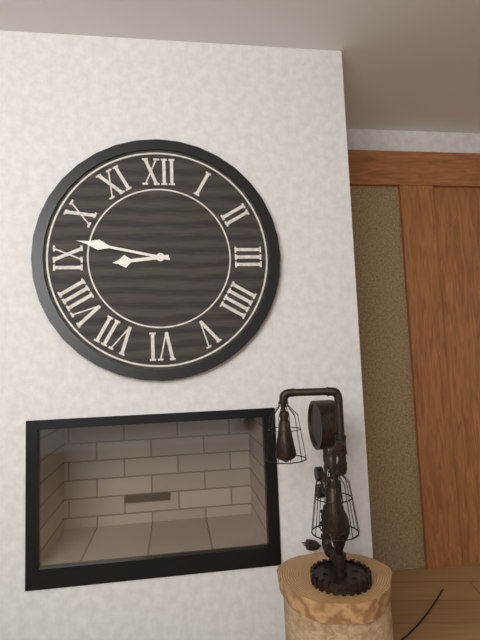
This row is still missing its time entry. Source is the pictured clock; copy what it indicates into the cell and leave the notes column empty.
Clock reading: 8:47
